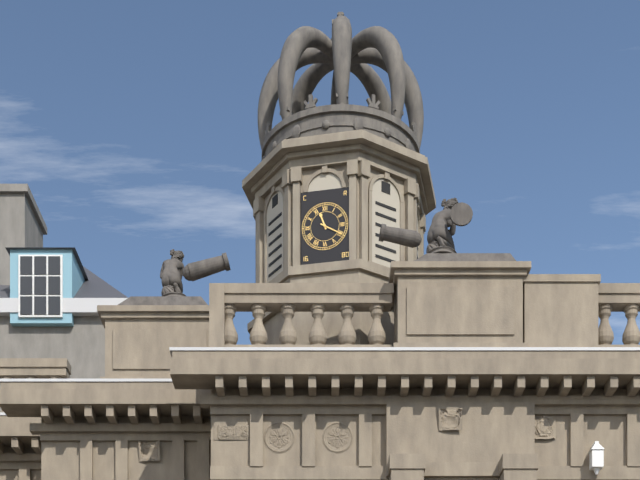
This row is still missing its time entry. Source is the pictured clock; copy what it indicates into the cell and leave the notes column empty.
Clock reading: 11:20
